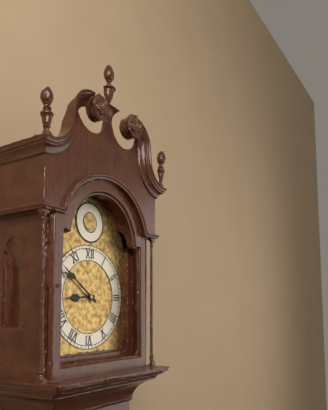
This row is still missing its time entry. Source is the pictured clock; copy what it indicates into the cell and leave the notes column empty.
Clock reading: 8:51
